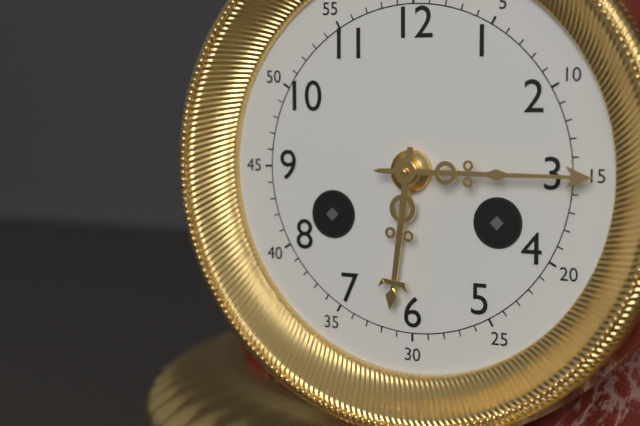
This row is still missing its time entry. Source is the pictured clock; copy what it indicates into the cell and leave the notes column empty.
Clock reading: 6:15
